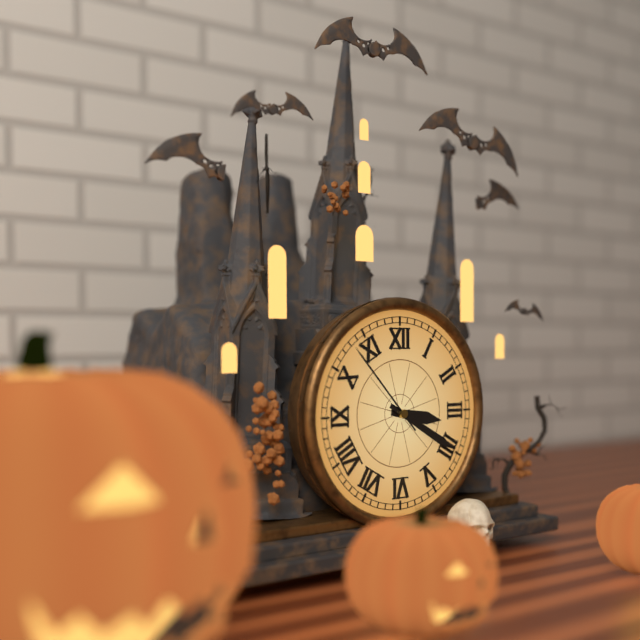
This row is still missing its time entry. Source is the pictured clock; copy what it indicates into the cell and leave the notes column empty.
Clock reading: 3:20:53
